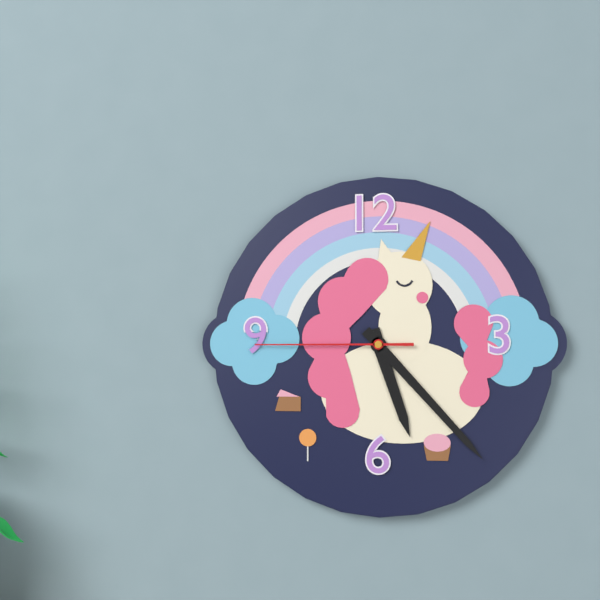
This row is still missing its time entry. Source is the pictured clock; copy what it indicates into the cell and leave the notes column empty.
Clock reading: 5:23:45
